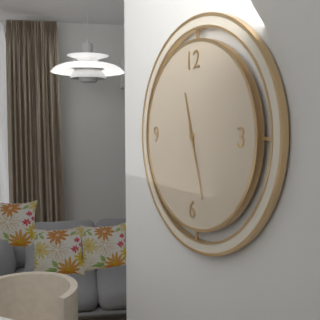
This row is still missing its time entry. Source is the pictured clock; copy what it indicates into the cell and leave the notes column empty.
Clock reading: 11:27
